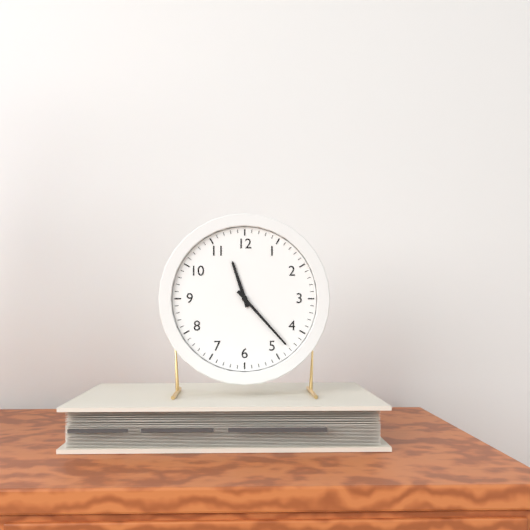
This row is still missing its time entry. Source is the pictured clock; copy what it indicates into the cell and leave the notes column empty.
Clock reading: 11:23
